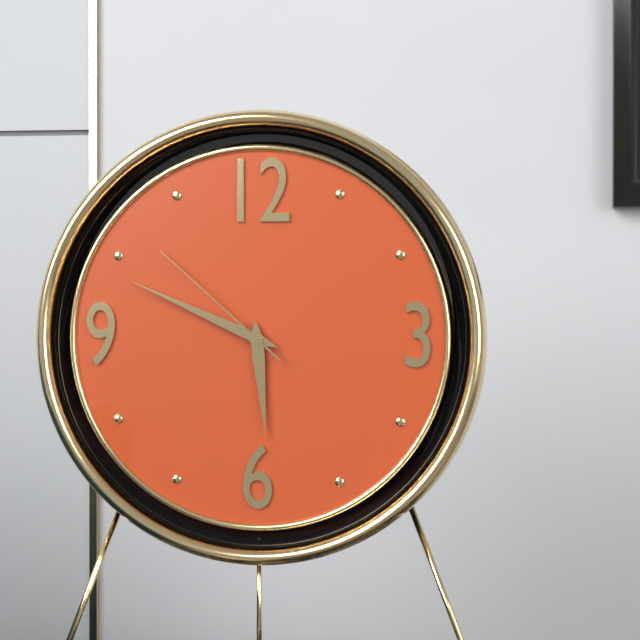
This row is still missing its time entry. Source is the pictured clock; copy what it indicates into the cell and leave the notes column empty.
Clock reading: 5:49:52
